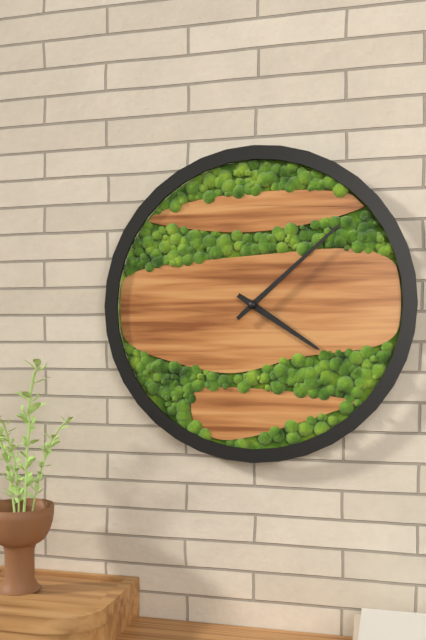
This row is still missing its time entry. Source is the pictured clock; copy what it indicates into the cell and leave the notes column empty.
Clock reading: 4:08
